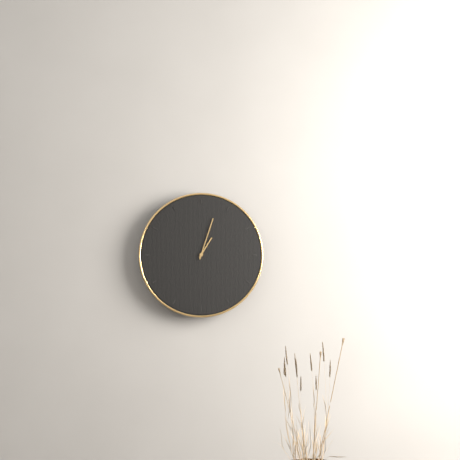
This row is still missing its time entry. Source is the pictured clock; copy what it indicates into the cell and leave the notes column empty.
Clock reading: 1:03
